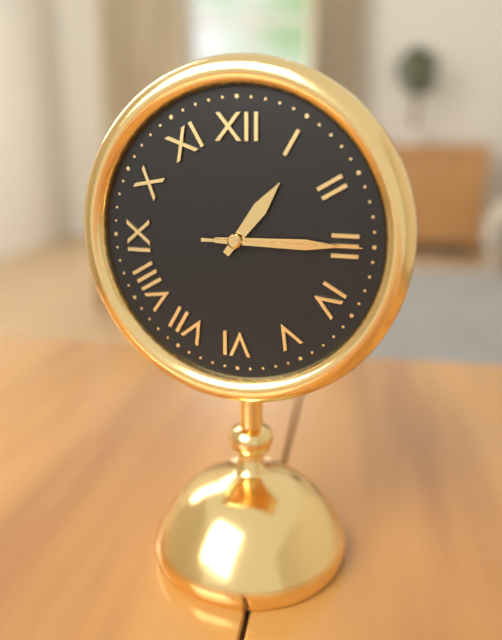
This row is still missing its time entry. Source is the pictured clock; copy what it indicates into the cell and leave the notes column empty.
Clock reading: 1:15:15
